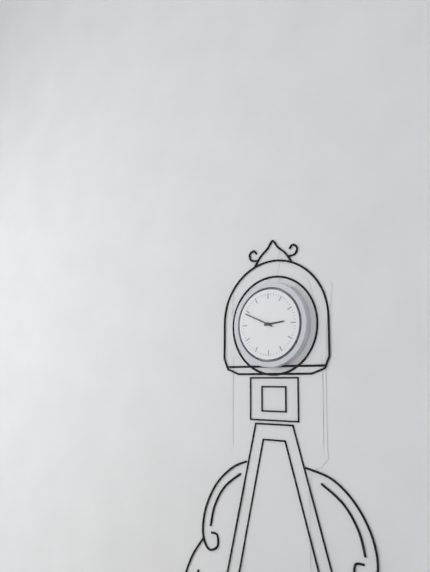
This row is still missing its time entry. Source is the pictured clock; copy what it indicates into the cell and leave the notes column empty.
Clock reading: 2:49
